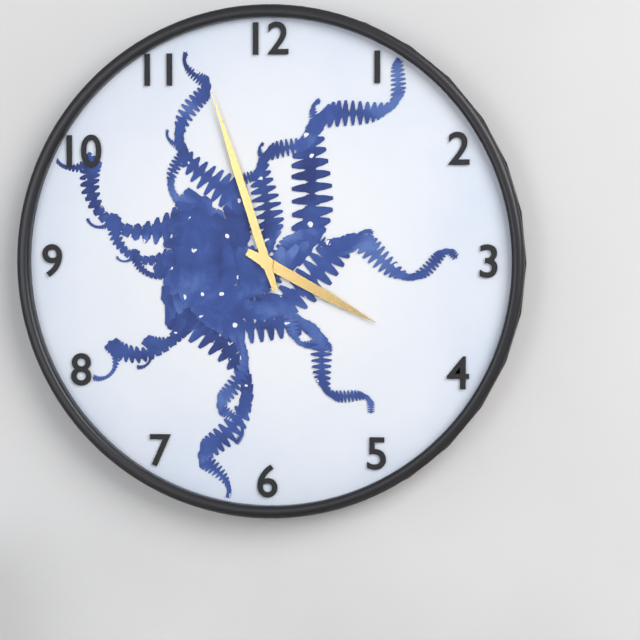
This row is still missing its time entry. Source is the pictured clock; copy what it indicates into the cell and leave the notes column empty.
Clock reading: 3:57
